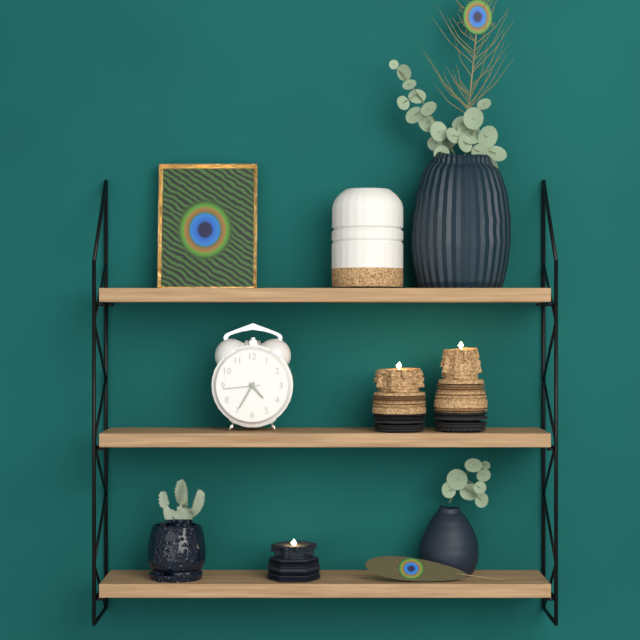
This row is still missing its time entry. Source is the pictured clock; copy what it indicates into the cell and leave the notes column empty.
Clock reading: 4:35
